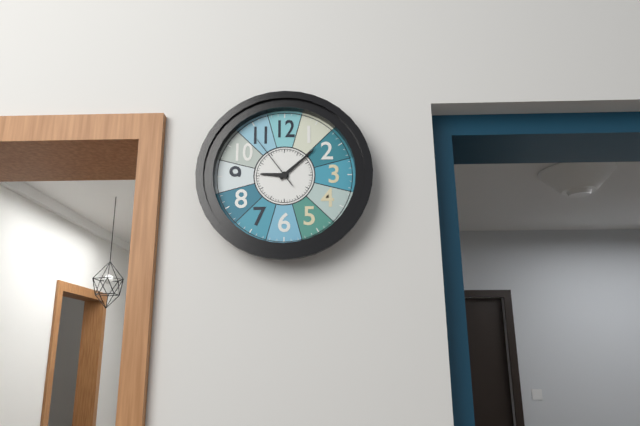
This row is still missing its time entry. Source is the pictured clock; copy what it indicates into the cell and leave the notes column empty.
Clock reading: 9:08:54
